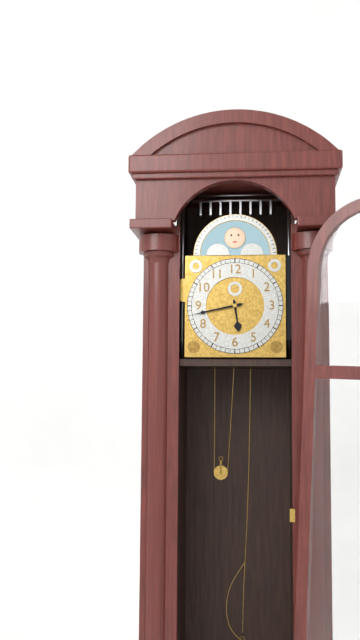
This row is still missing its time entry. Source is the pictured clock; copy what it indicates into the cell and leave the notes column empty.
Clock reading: 5:43
